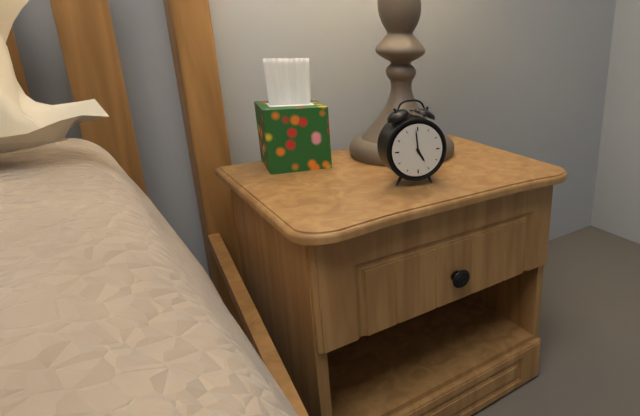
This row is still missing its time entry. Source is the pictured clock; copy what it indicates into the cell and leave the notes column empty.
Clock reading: 4:59
